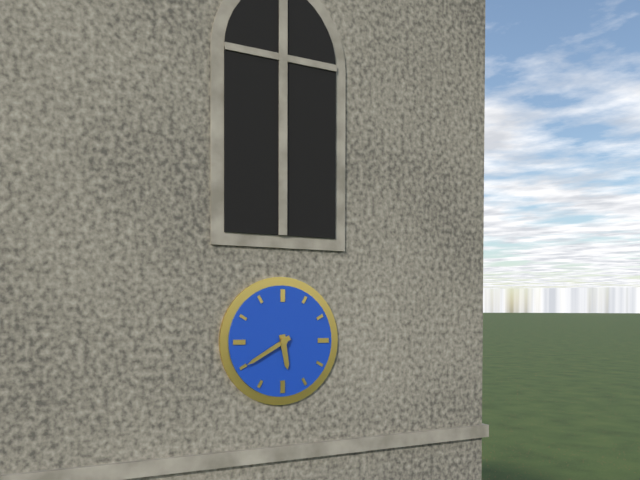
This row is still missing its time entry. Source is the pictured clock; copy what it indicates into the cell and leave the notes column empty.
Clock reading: 5:40
